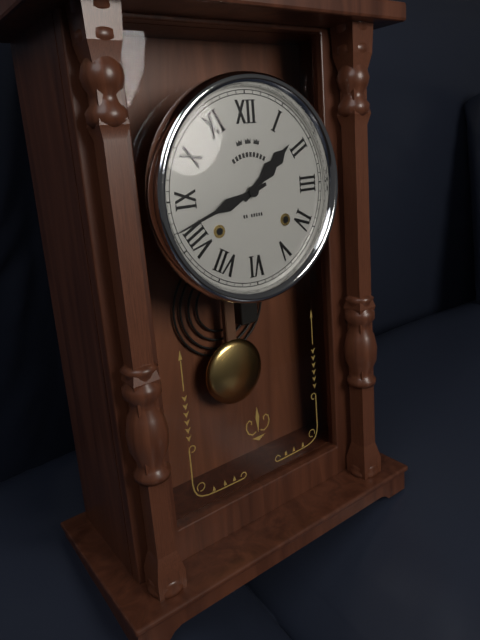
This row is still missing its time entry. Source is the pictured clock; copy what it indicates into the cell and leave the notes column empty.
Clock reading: 1:42
